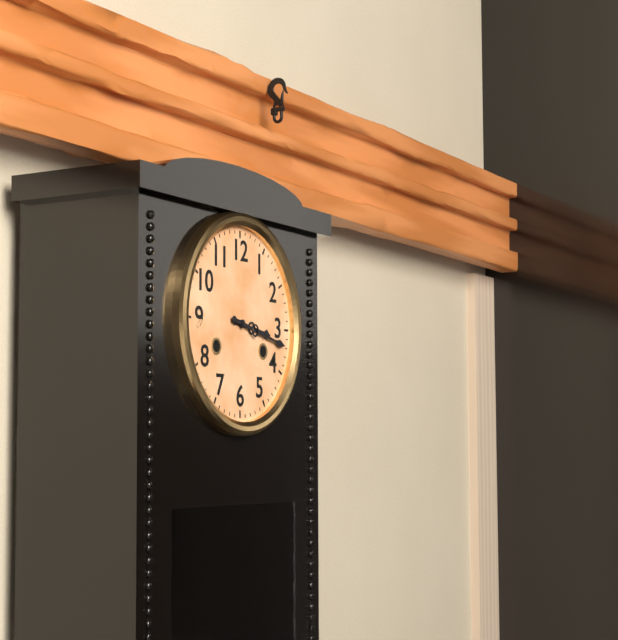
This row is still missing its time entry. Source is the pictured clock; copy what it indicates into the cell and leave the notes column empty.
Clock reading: 3:17
